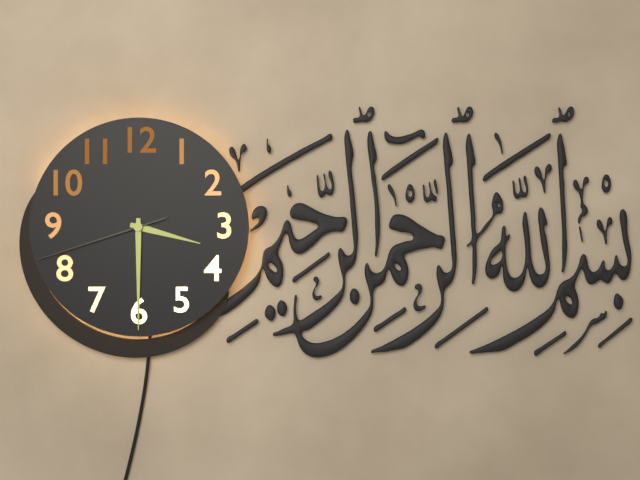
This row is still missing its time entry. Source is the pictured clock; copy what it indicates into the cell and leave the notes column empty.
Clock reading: 3:30:42
